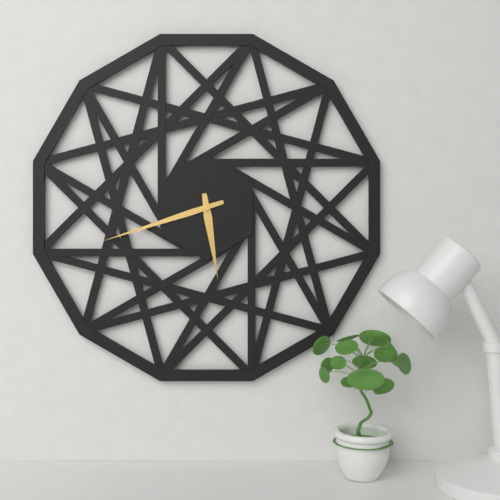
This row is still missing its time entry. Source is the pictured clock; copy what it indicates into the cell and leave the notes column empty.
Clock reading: 5:42
